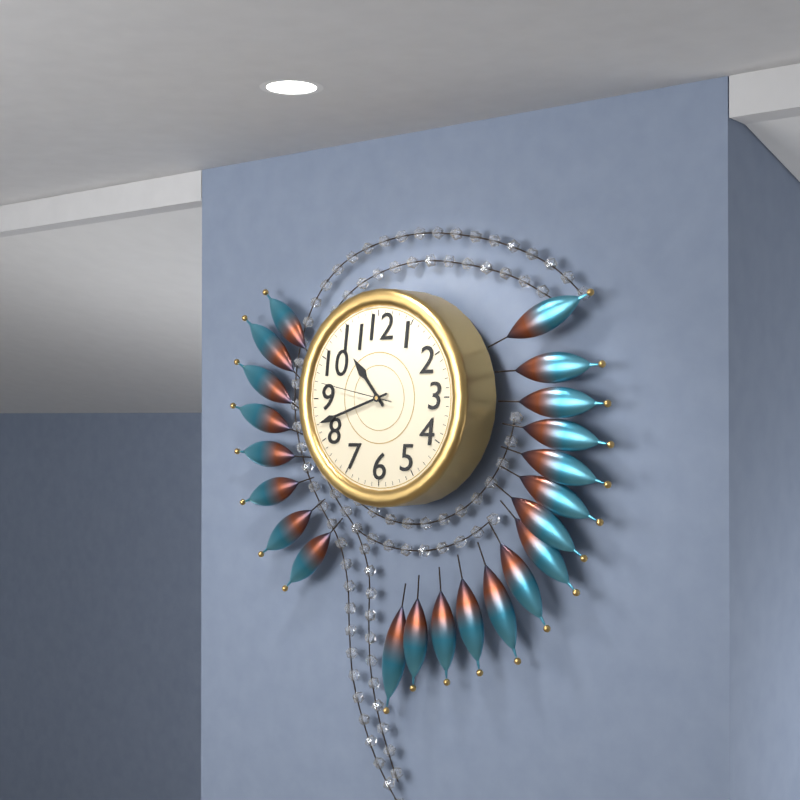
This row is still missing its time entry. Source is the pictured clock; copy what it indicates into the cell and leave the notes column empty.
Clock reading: 10:42:47
